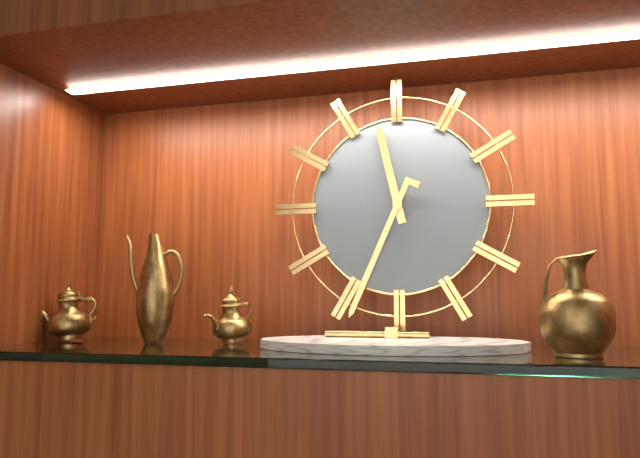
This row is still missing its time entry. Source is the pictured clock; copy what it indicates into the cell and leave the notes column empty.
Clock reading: 11:34
